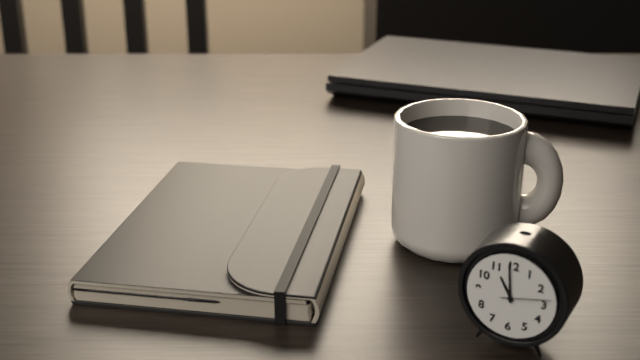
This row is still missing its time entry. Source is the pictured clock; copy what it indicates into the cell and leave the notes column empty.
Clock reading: 10:59:13
